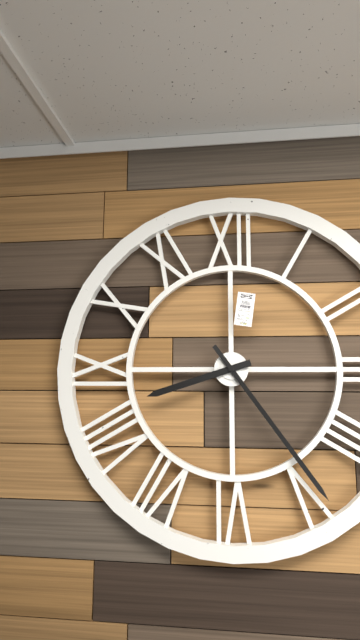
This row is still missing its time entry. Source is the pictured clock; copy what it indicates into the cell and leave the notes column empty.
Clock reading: 8:24
